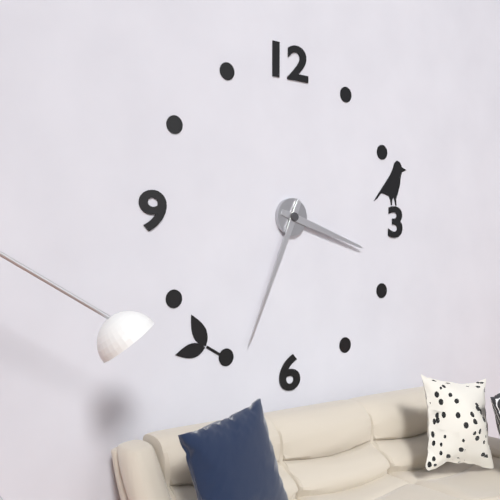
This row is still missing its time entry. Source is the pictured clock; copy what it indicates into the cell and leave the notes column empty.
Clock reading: 3:34
